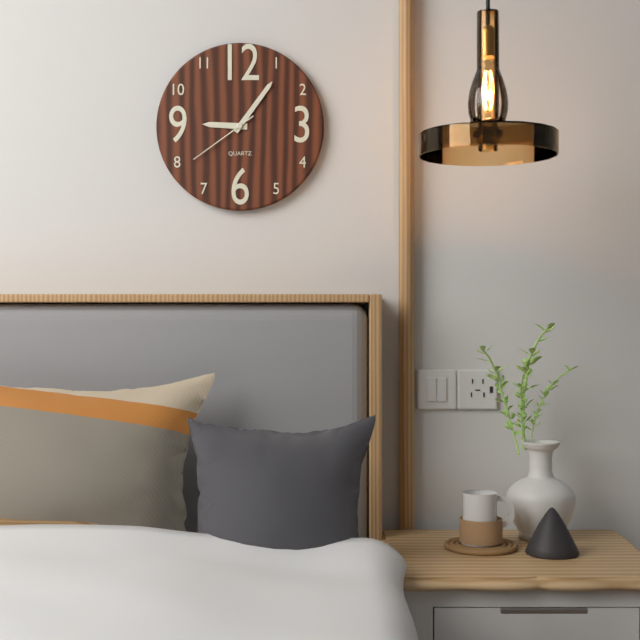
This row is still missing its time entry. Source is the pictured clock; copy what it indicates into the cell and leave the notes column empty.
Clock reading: 9:06:39
